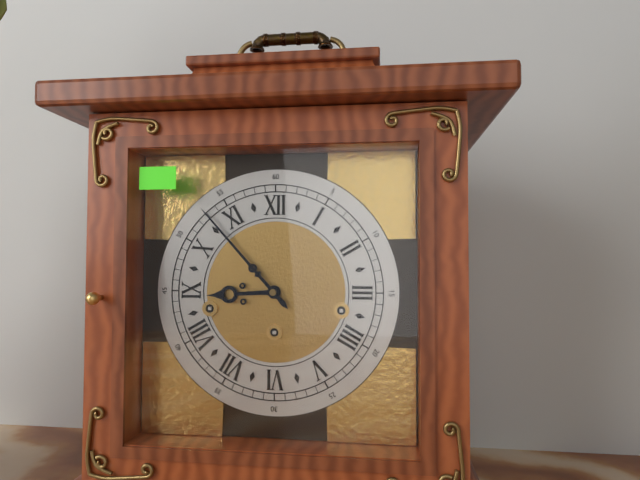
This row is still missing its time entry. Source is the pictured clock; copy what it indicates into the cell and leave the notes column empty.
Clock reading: 8:53
